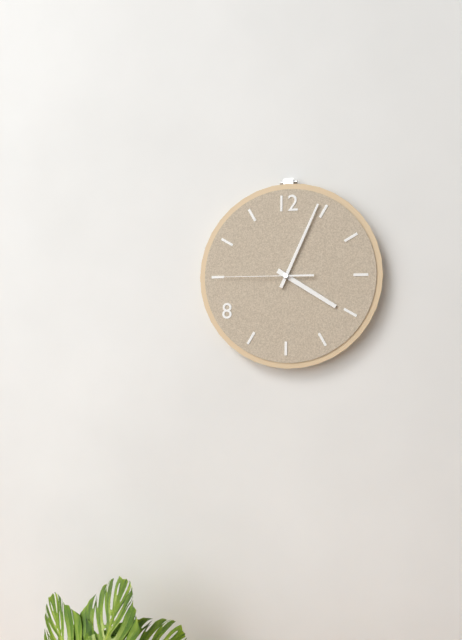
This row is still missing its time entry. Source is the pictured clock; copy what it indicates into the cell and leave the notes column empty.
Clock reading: 4:04:45
